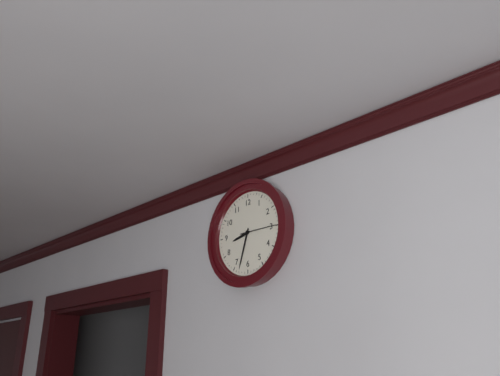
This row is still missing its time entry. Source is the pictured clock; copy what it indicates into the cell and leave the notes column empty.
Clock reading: 8:33
